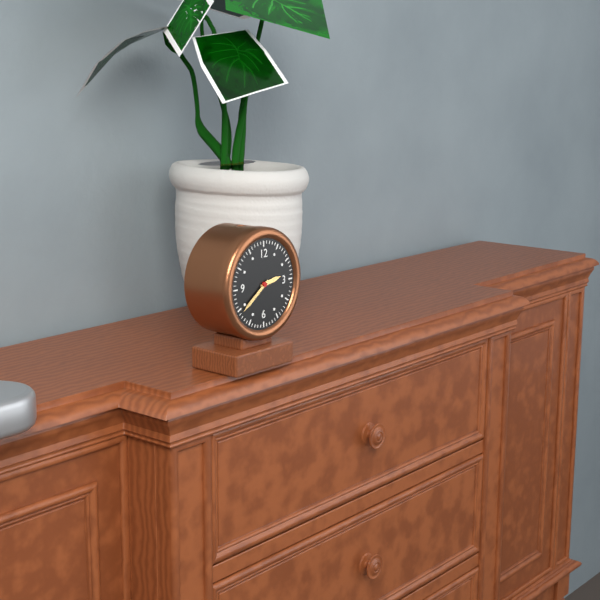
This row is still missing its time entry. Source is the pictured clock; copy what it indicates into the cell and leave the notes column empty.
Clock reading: 2:39
